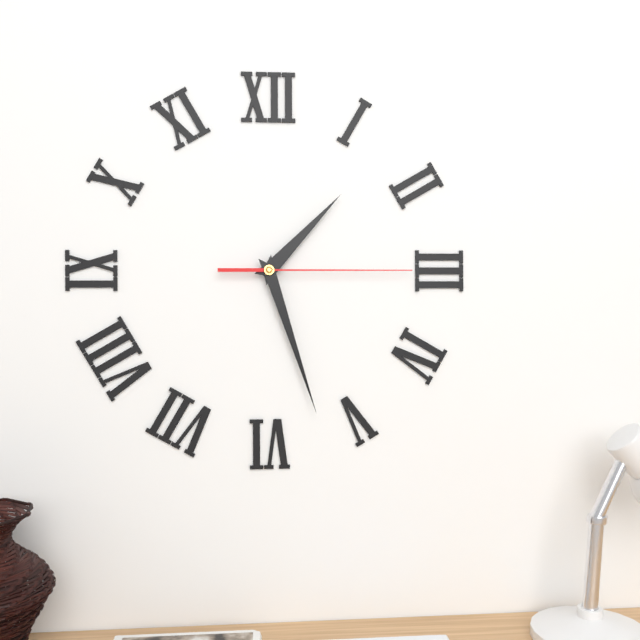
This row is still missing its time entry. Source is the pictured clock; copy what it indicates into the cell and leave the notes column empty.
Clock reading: 1:27:15
